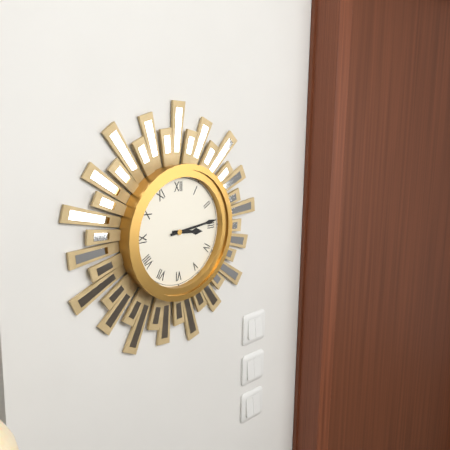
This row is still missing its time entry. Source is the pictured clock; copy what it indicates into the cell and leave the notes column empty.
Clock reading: 3:14
